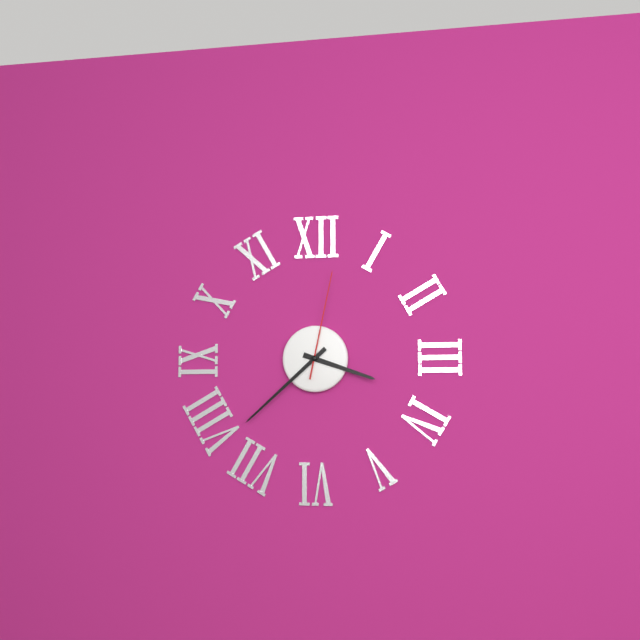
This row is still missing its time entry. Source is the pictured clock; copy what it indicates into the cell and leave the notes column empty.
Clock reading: 3:38:02
